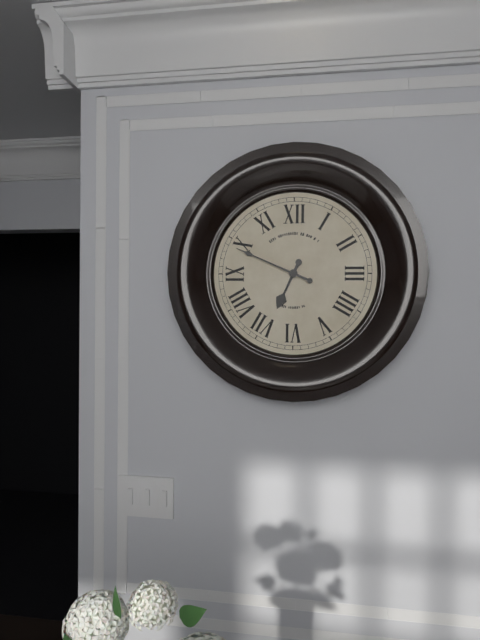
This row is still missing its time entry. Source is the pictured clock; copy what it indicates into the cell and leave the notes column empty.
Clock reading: 6:49
